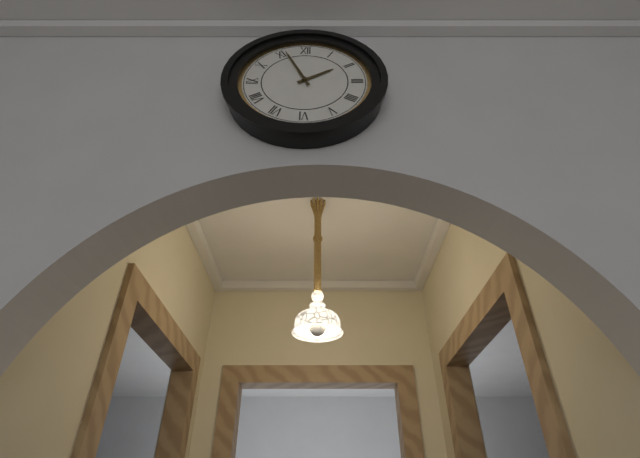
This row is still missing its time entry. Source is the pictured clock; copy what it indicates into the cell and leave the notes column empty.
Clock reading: 1:56
